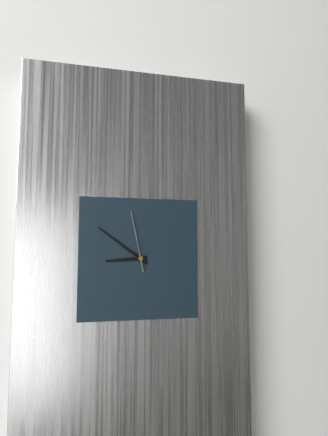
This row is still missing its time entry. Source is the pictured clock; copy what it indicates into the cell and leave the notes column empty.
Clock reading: 8:51:58
